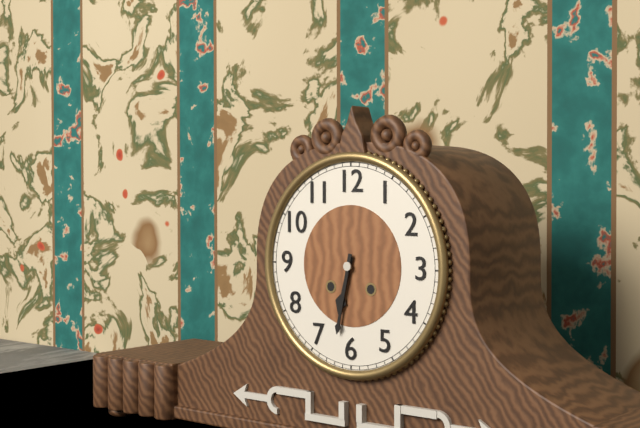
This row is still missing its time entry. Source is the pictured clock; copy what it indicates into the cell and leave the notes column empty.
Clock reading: 6:32
